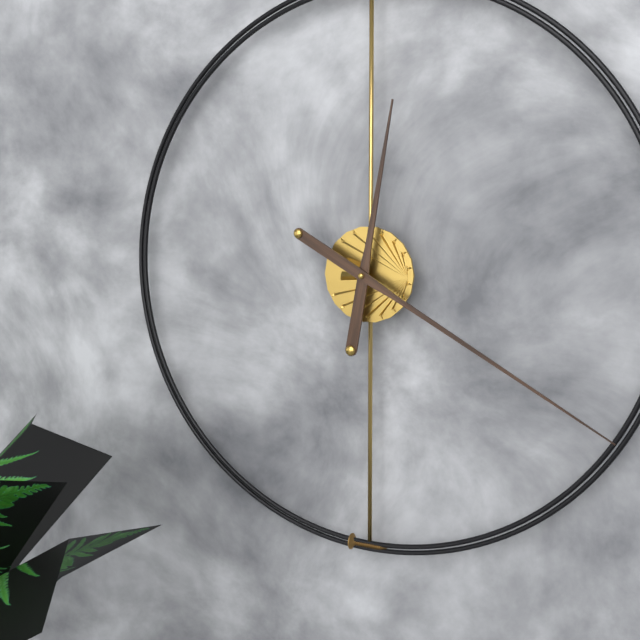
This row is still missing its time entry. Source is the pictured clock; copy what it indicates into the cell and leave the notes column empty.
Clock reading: 12:20
